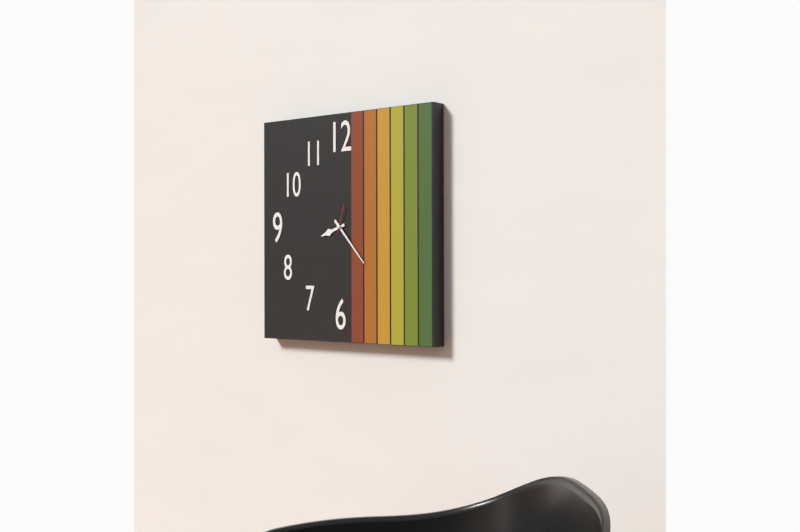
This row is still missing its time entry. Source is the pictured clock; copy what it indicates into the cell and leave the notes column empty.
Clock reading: 8:23
